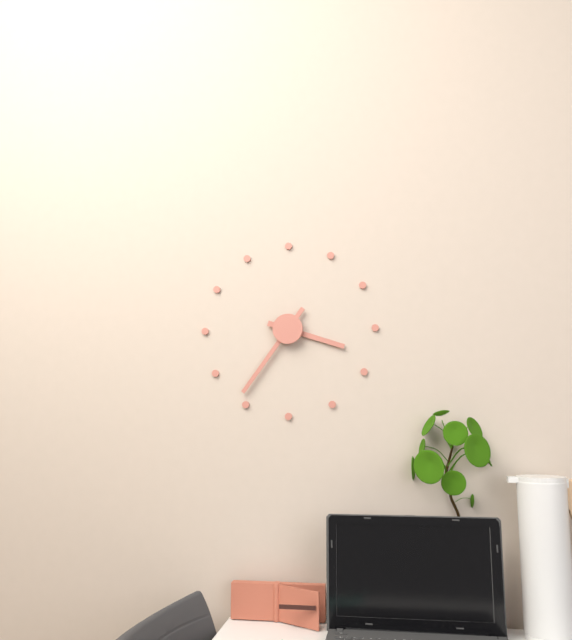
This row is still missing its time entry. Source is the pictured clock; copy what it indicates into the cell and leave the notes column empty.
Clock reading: 3:36
